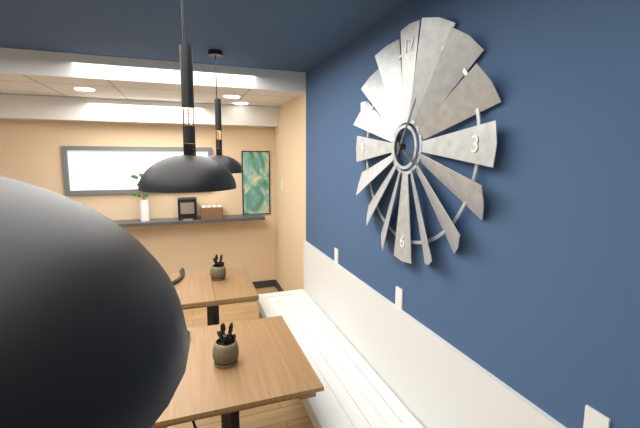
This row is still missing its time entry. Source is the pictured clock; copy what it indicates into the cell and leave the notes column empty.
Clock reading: 4:05
